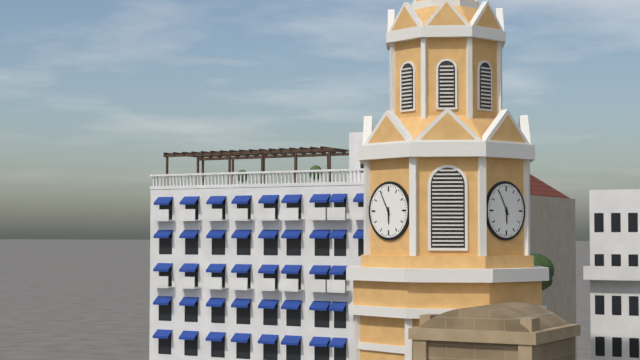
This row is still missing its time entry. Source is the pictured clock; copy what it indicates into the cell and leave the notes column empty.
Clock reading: 5:55
